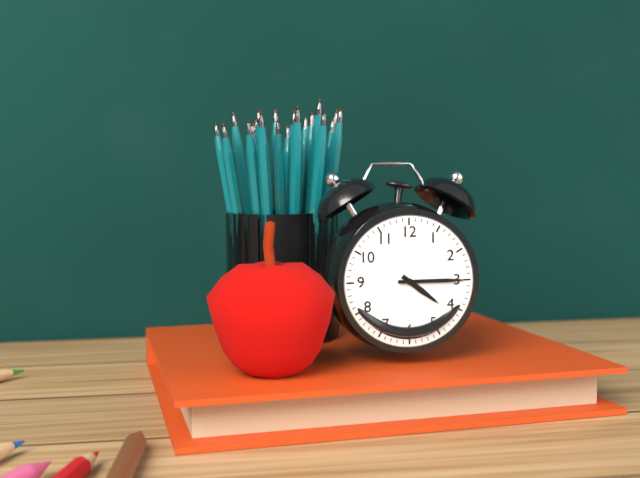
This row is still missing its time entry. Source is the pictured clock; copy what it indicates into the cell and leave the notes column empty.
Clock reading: 4:15
